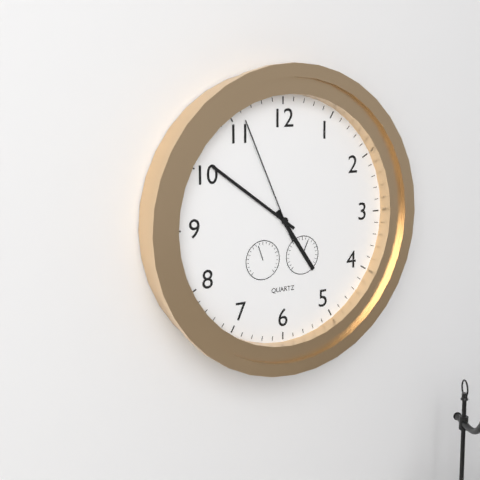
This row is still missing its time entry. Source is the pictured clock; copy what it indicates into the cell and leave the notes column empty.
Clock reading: 4:51:56
